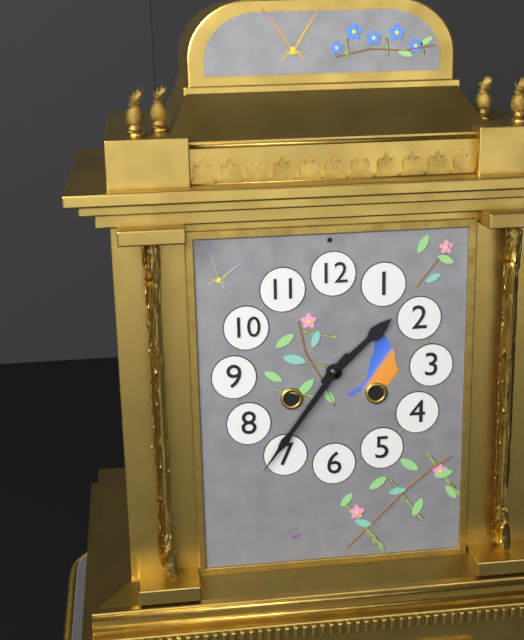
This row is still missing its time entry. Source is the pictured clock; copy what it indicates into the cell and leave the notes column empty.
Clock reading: 1:36
